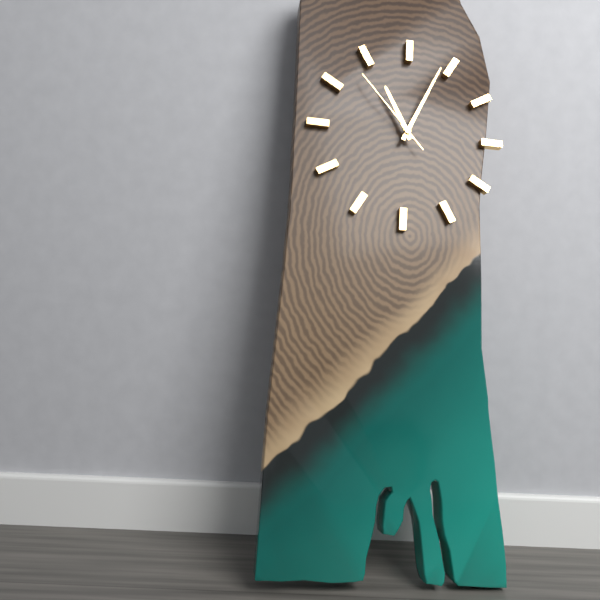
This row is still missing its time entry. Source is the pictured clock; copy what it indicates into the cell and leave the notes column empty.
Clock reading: 11:04:53
